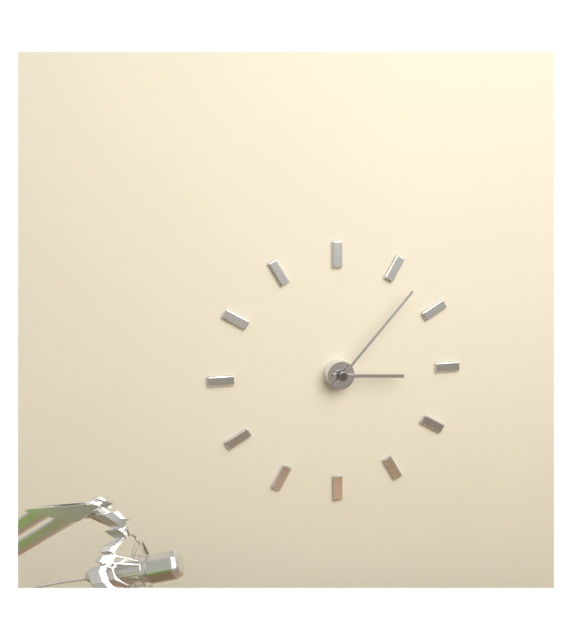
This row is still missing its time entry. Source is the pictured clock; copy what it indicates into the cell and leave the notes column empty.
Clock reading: 3:07
